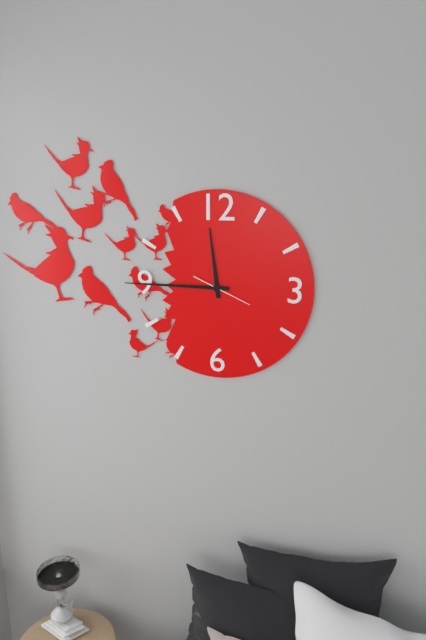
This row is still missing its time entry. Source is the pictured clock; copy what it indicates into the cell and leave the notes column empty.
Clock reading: 11:45
